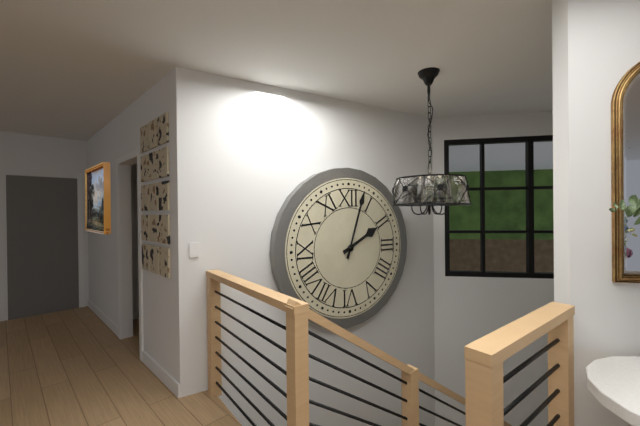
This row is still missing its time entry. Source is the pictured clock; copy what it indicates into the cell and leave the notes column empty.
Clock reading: 2:03
